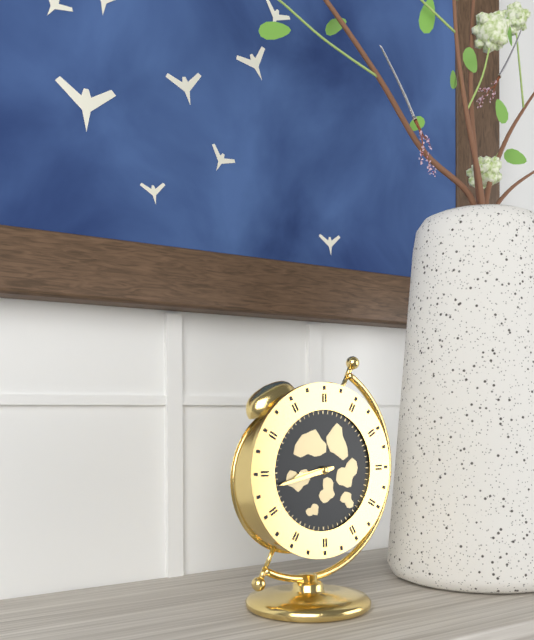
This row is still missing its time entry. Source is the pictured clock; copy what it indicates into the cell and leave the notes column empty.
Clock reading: 8:43
